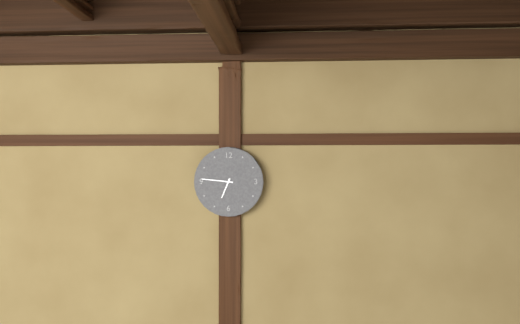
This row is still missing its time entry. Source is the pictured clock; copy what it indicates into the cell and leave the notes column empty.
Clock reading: 6:46
